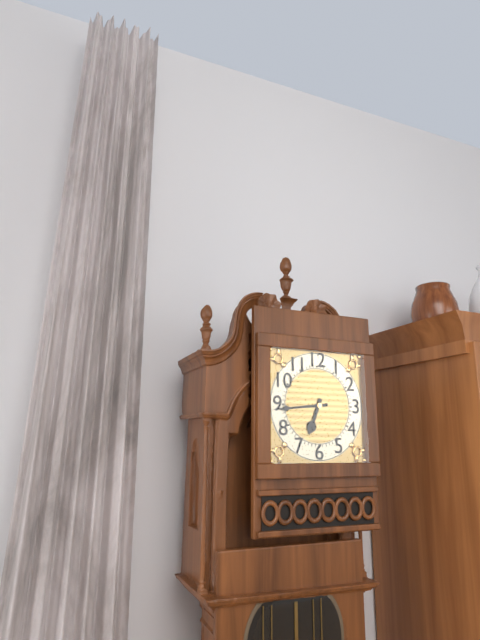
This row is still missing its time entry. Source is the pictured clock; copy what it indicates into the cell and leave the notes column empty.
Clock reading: 6:44
